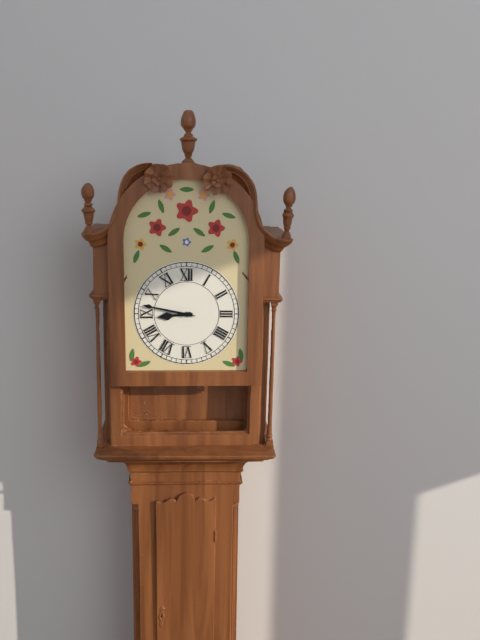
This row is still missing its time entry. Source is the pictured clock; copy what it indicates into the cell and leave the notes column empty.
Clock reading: 8:47
